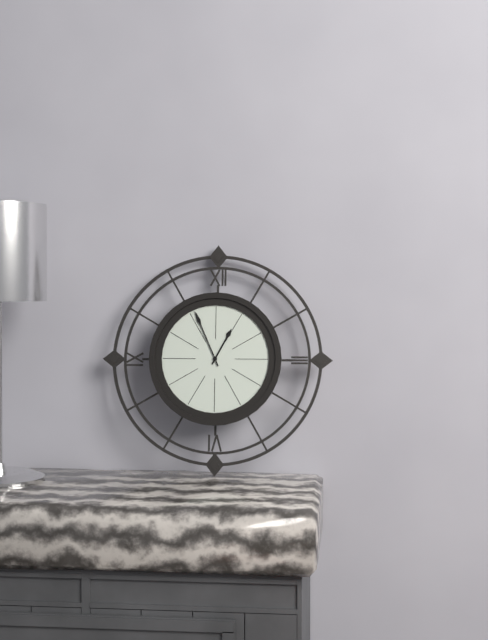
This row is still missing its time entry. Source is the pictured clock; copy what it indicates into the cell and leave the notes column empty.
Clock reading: 12:56
